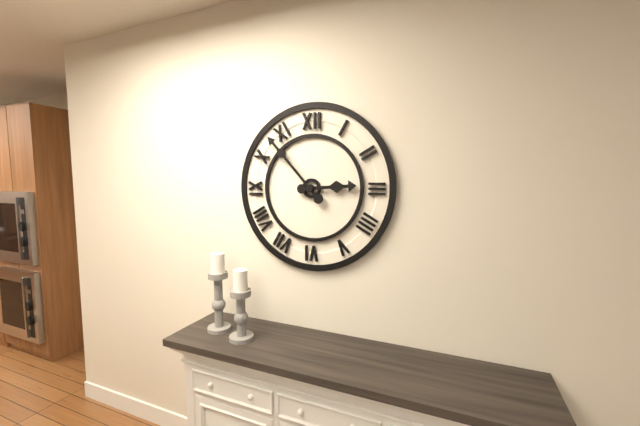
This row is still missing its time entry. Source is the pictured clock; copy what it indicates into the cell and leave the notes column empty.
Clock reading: 2:53
